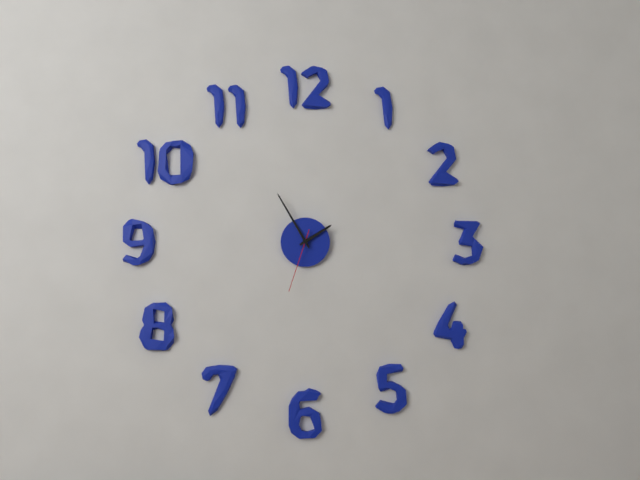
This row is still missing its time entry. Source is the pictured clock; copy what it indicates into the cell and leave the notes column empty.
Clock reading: 1:55:33
